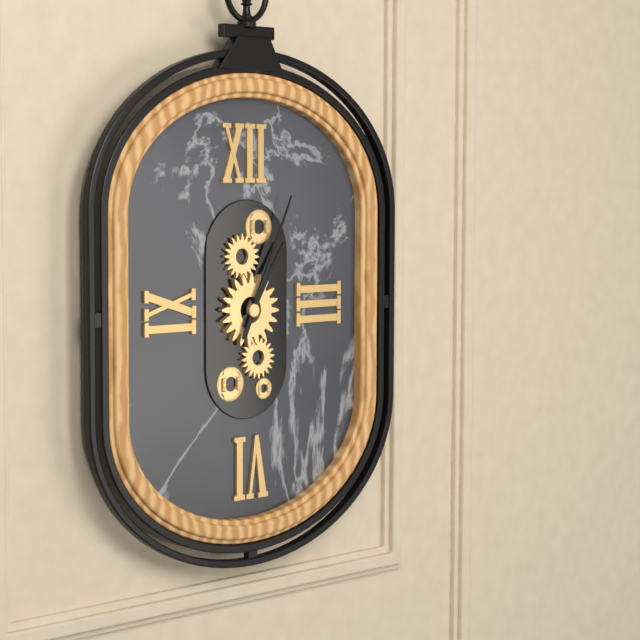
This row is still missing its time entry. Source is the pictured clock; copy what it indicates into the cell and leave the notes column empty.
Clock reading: 1:04
